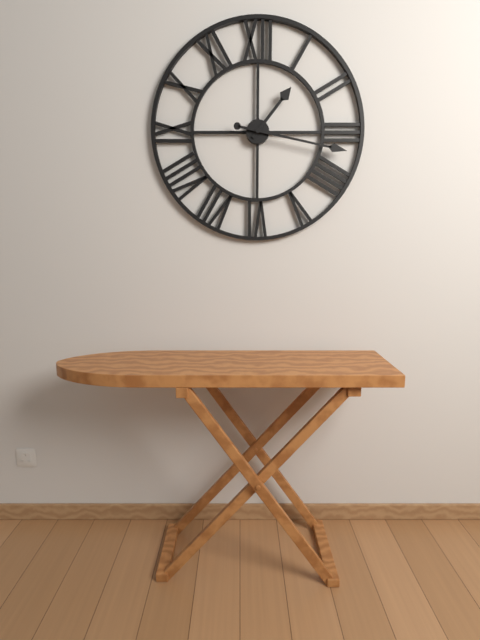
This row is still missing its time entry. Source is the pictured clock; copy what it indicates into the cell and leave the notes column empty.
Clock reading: 1:17
